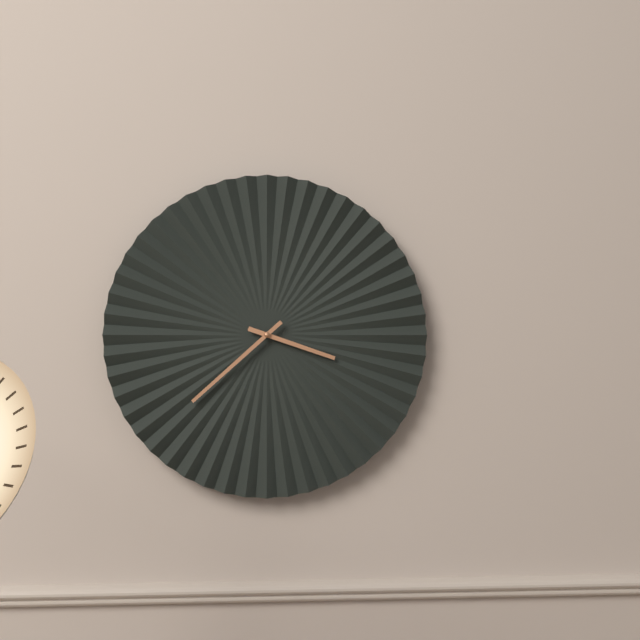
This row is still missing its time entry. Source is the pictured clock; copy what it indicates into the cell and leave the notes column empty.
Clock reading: 3:38
